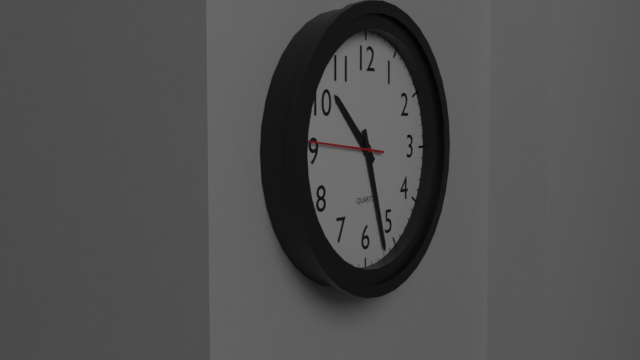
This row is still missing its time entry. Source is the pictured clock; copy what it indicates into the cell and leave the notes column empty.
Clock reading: 10:27:46
